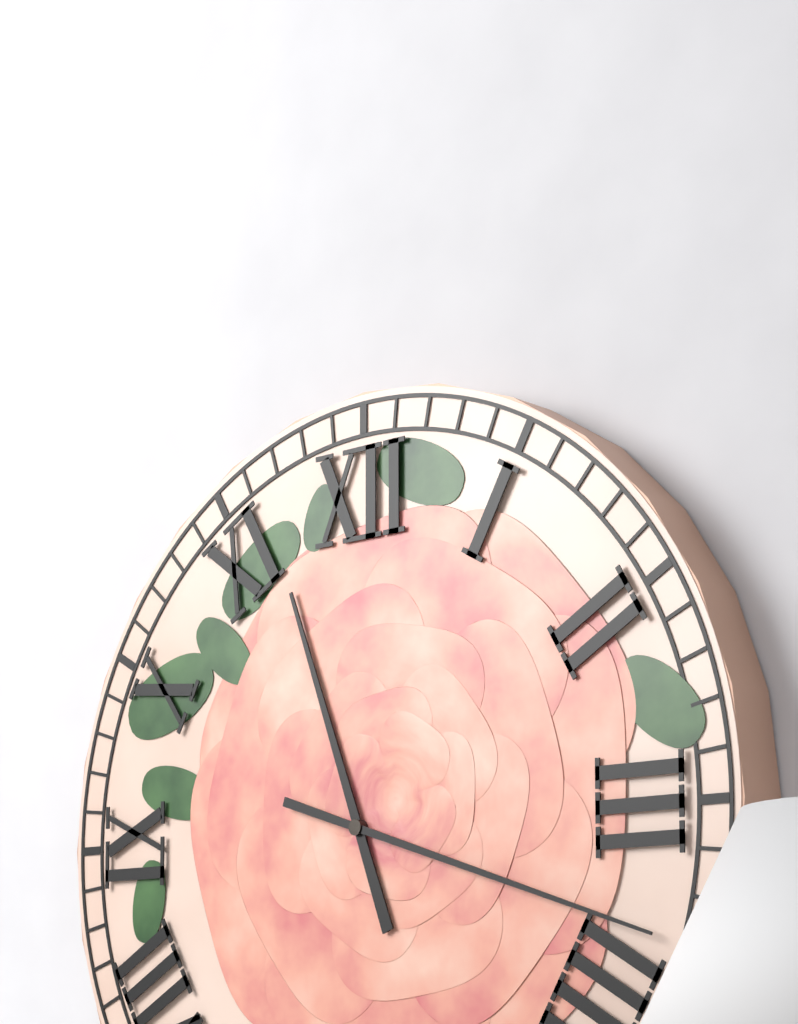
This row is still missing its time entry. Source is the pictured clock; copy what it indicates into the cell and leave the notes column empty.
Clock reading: 11:18
